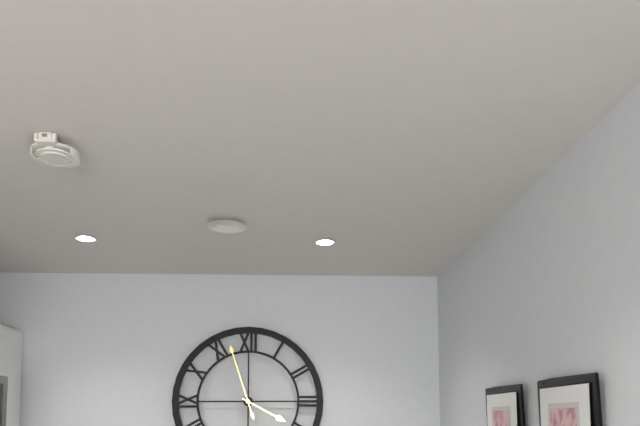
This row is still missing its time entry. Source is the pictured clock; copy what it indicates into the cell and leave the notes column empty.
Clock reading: 3:57
